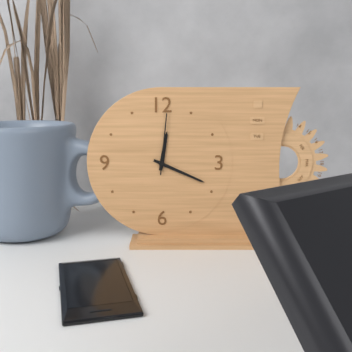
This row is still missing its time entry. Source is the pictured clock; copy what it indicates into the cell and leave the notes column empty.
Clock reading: 12:19:01
